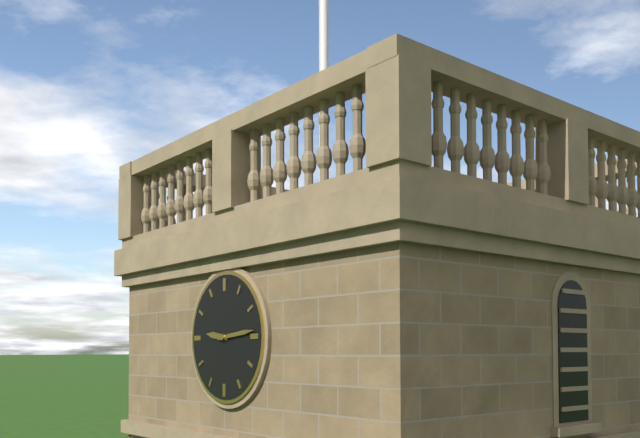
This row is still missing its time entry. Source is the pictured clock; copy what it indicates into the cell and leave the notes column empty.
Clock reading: 9:14
